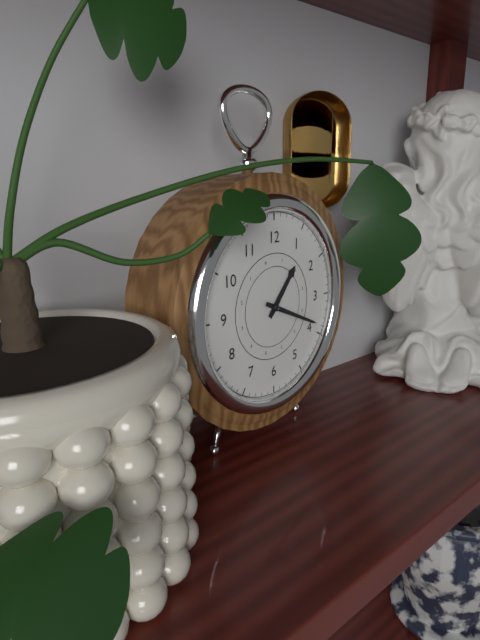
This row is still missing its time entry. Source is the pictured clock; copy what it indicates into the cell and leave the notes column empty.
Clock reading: 1:19
